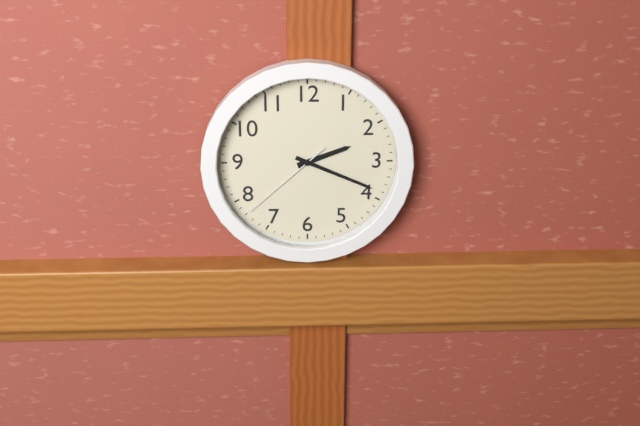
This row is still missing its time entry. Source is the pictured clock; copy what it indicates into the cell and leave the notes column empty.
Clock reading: 2:19:38
